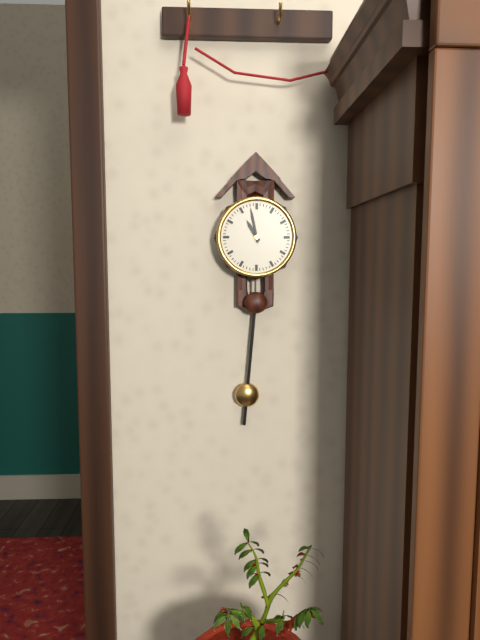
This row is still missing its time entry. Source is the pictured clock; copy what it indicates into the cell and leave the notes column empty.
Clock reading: 10:58
